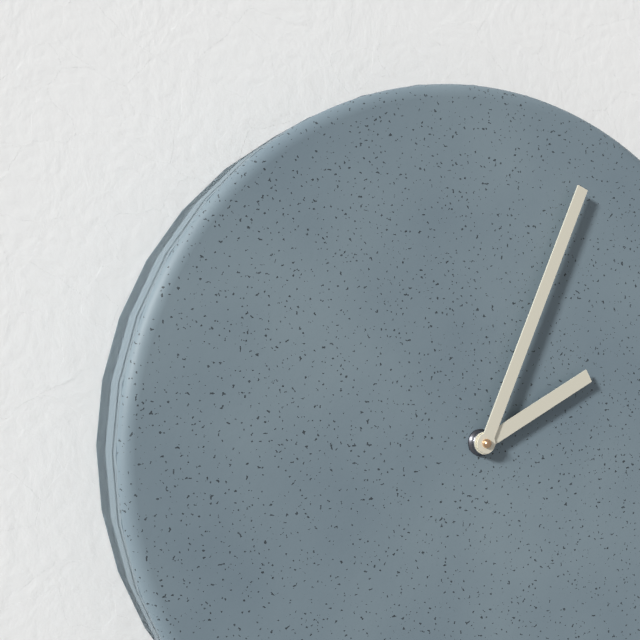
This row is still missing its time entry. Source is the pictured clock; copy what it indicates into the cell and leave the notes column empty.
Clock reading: 2:04
